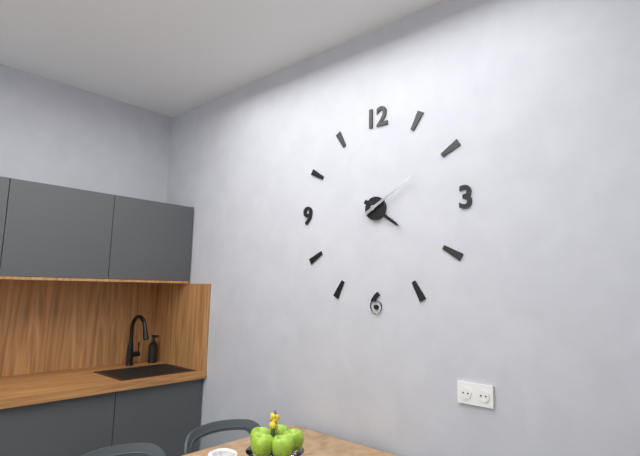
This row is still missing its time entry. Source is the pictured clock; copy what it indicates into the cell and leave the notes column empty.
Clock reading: 4:10
